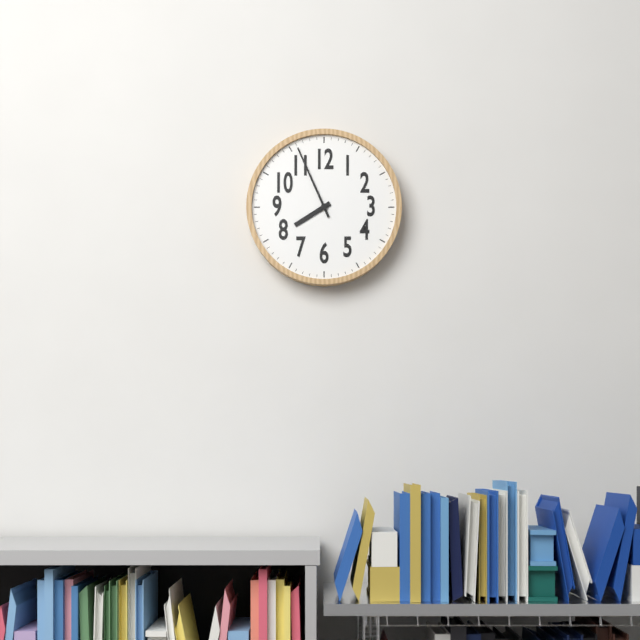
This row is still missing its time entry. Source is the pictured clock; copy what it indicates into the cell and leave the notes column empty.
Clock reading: 7:56
